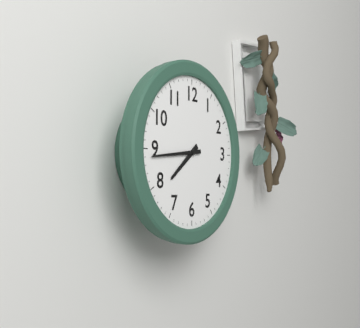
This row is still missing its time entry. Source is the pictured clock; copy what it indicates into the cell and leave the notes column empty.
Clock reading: 7:44
